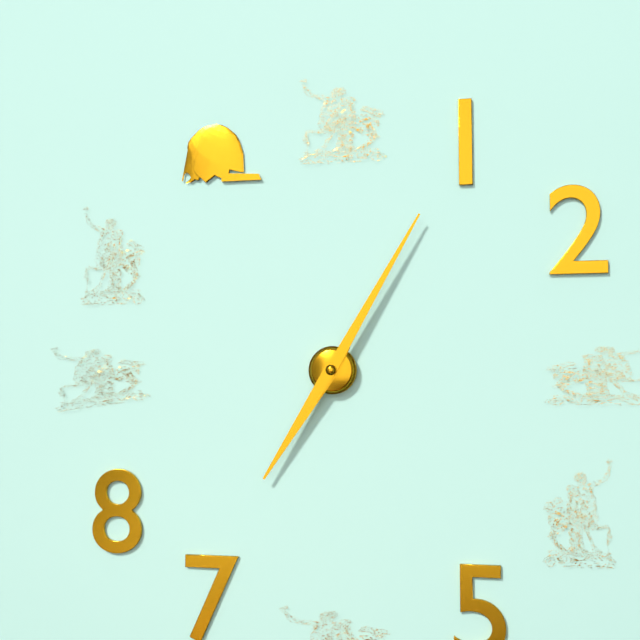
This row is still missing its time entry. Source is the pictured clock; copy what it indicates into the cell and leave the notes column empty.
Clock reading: 7:05
